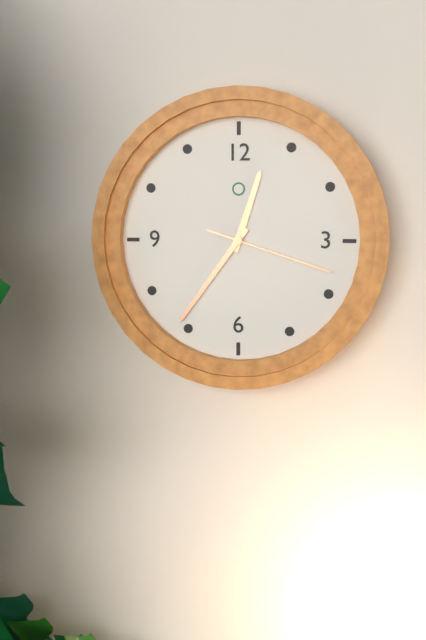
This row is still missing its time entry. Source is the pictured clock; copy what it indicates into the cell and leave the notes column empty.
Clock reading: 12:36:18
